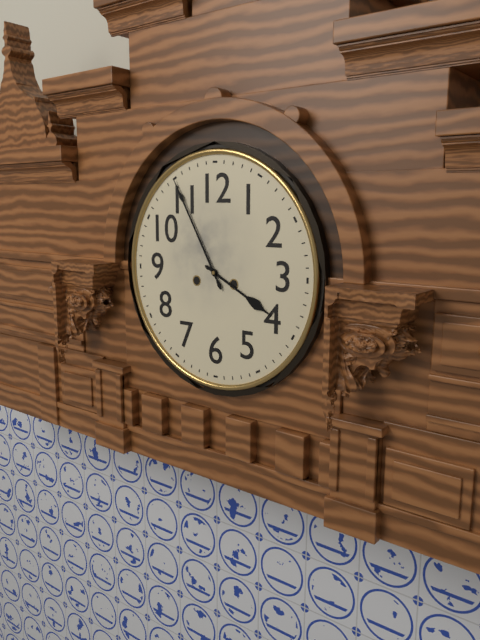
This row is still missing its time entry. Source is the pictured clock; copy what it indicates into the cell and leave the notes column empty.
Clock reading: 3:55
